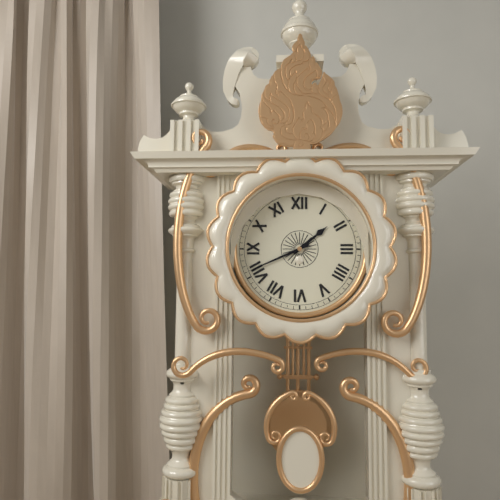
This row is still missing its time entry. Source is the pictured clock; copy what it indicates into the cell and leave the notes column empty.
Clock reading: 1:41
